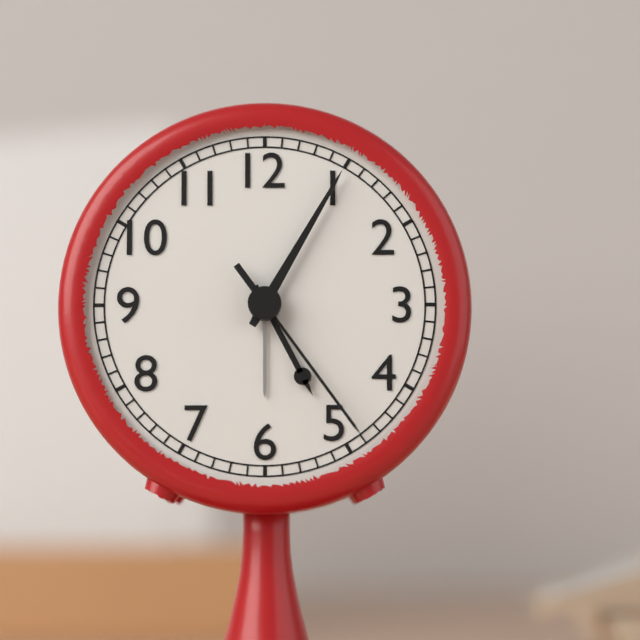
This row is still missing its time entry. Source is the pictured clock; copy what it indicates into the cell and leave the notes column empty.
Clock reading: 5:05:24
